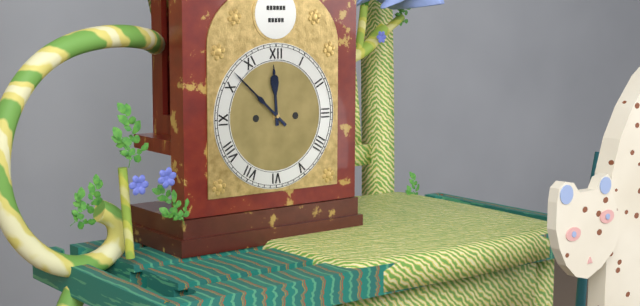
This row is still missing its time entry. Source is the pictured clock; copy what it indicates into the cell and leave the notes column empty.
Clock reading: 11:52
